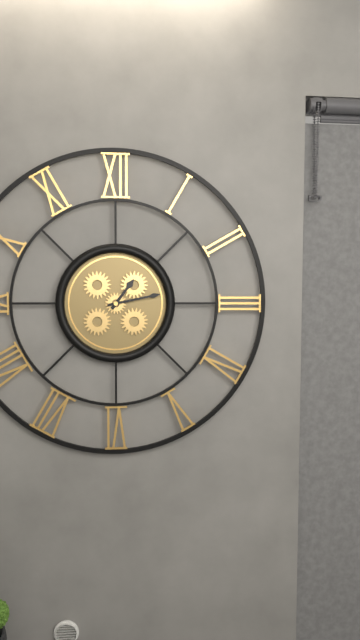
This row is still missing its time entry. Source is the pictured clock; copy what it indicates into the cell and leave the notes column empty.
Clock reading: 1:13
